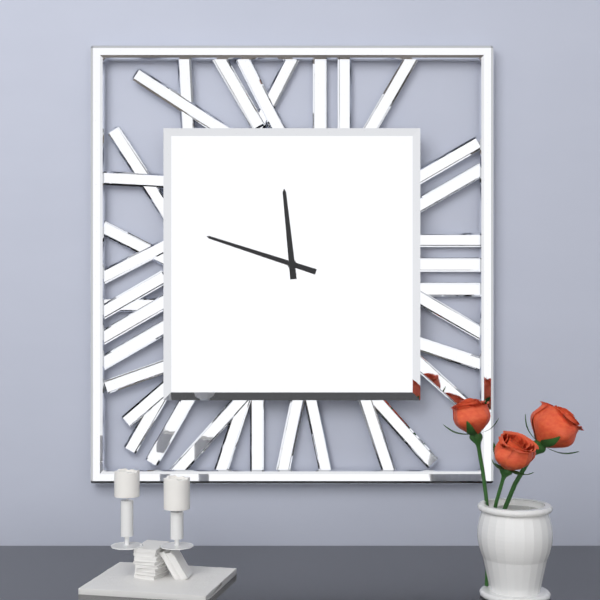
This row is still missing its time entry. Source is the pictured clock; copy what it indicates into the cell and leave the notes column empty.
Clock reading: 11:48
